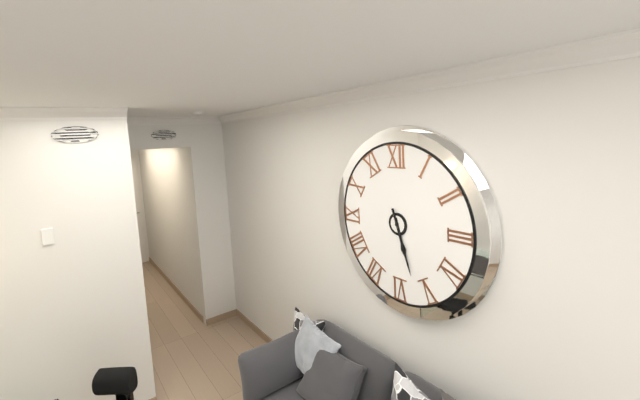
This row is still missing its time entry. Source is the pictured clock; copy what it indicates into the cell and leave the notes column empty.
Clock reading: 5:27
